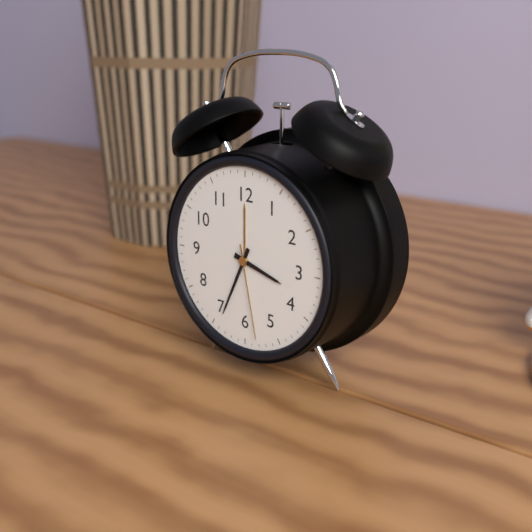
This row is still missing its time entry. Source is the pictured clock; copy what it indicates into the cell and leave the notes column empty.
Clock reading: 3:34:28
